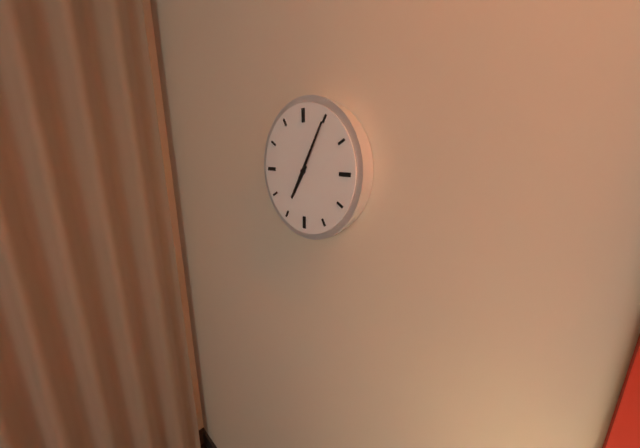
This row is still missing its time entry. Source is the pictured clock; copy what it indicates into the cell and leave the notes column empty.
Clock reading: 7:05
